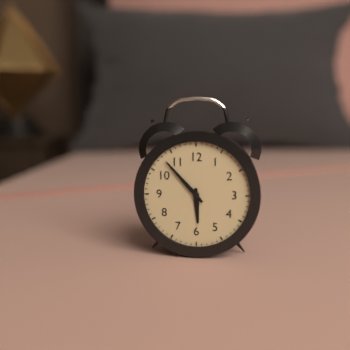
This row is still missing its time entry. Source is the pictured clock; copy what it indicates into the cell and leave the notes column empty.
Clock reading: 5:53
